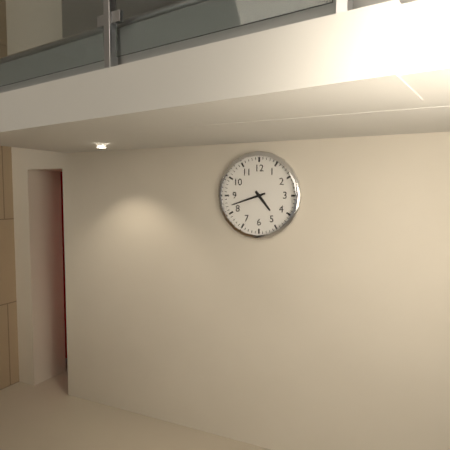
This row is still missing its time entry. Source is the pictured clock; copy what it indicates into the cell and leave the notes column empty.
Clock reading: 4:42
